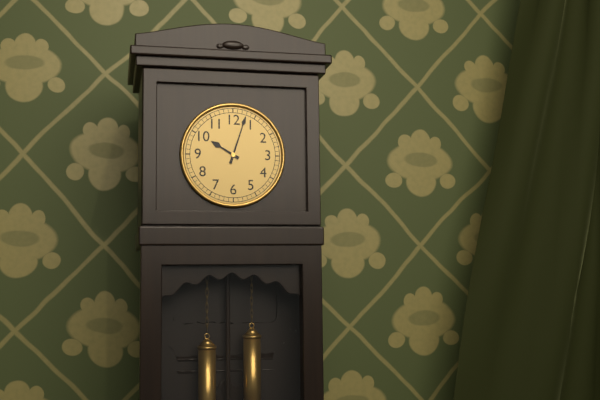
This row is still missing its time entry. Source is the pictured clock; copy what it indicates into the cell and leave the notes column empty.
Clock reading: 10:03
